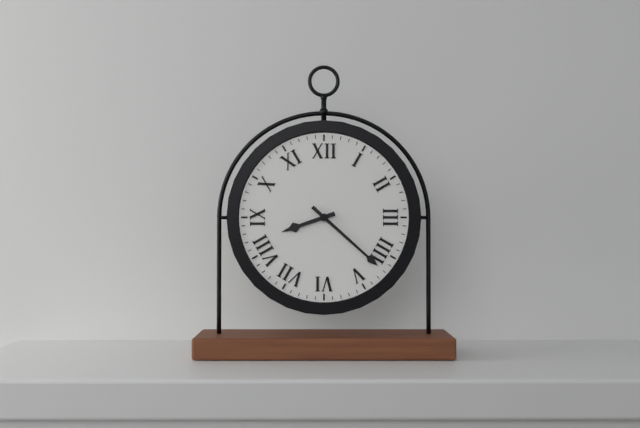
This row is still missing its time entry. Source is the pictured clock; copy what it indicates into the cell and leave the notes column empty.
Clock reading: 8:22
